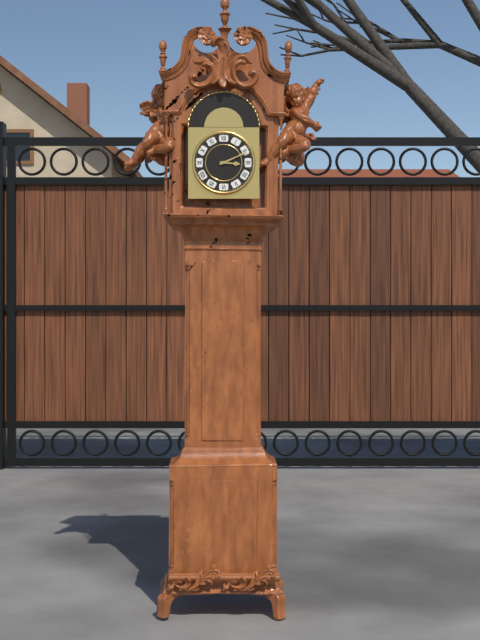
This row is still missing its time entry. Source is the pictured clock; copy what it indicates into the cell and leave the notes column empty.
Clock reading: 3:11
